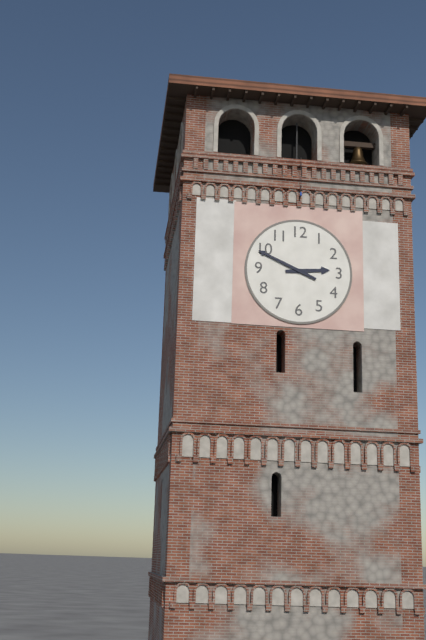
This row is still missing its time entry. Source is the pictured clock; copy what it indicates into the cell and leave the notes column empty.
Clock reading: 2:49
